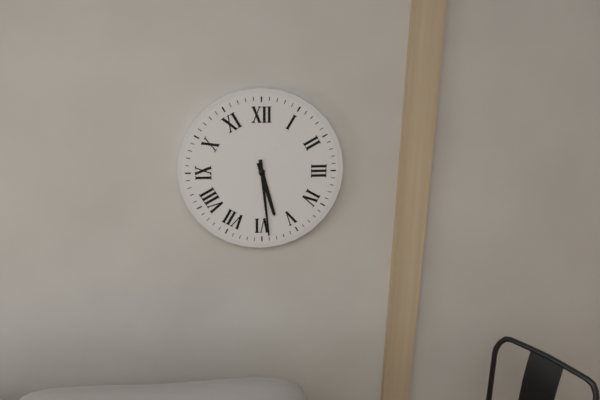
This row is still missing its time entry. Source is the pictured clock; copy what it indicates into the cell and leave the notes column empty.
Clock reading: 5:29
